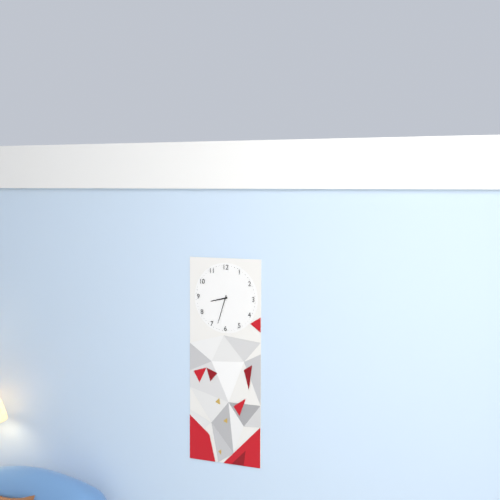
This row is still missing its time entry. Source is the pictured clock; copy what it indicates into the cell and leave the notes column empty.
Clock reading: 8:33
